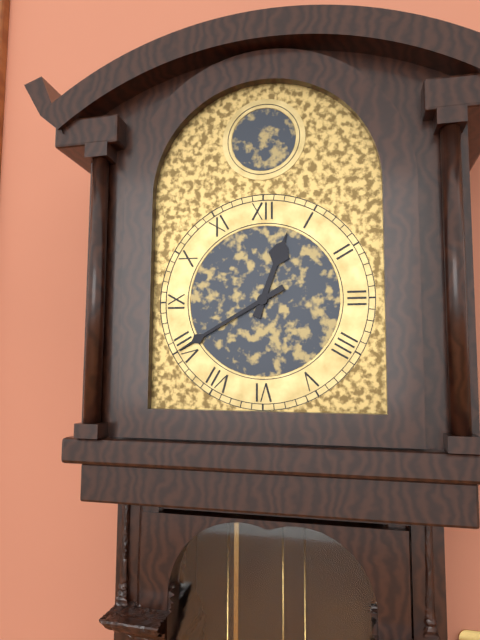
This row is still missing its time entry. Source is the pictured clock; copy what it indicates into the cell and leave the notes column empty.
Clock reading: 12:40
